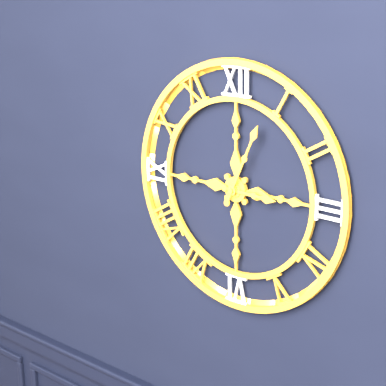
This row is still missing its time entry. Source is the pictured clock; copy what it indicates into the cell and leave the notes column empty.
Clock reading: 3:04
